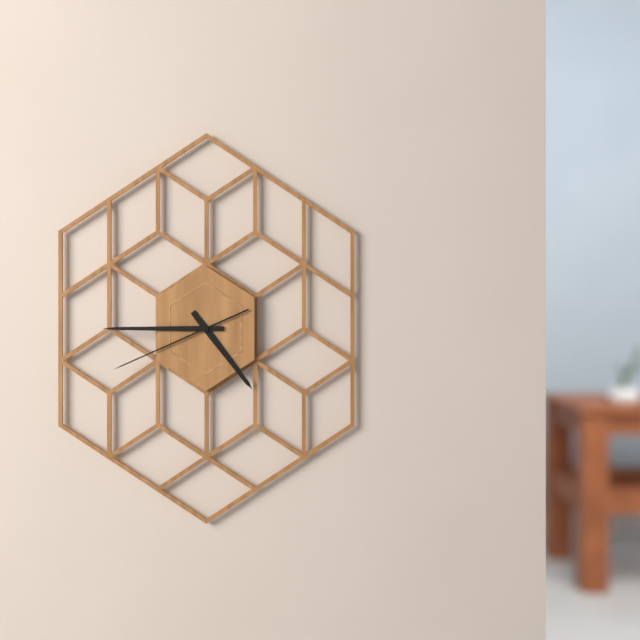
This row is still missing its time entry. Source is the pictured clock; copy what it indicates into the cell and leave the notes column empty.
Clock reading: 4:45:41
